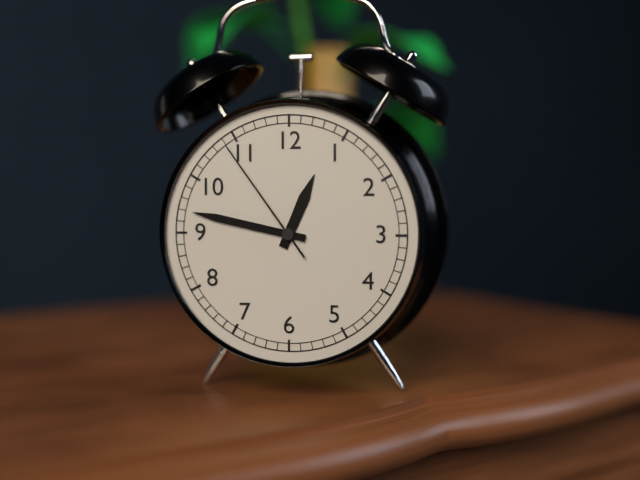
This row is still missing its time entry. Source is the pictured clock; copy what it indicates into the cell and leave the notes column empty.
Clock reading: 12:47:54
